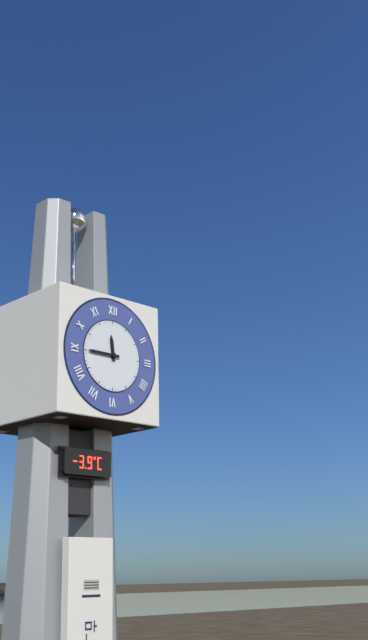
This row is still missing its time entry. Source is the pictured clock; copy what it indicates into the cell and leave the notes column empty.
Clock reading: 11:45
